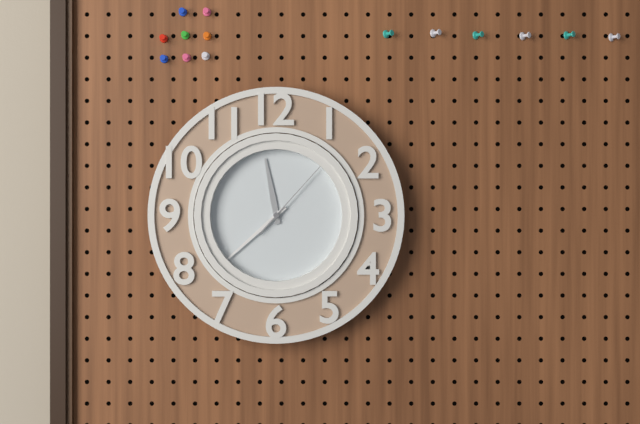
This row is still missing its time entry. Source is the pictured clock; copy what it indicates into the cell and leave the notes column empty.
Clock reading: 11:38:07
